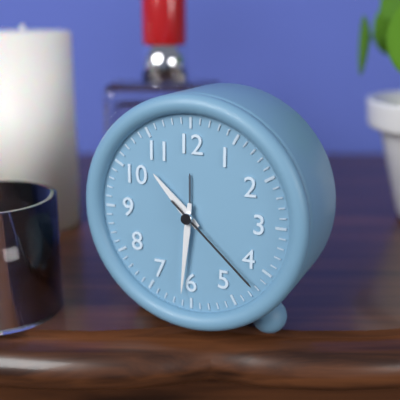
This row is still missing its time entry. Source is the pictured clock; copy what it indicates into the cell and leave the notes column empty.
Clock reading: 10:31:22
